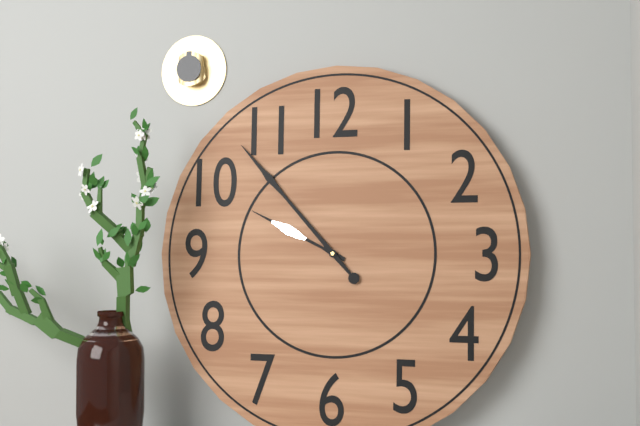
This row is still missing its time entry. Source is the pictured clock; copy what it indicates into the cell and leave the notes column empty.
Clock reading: 9:53
